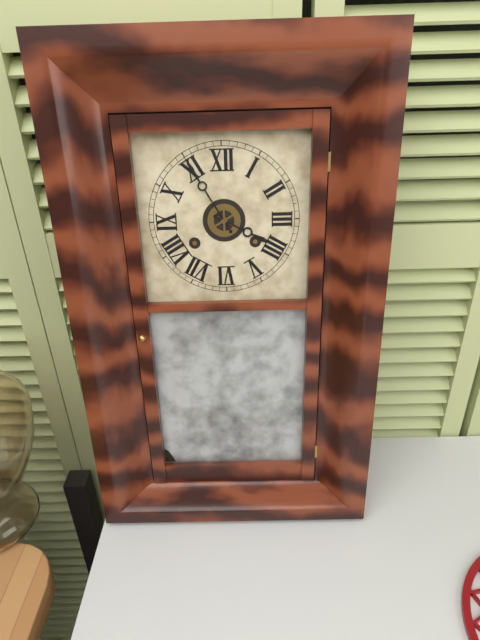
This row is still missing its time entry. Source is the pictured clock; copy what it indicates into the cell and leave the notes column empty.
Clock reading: 3:55
